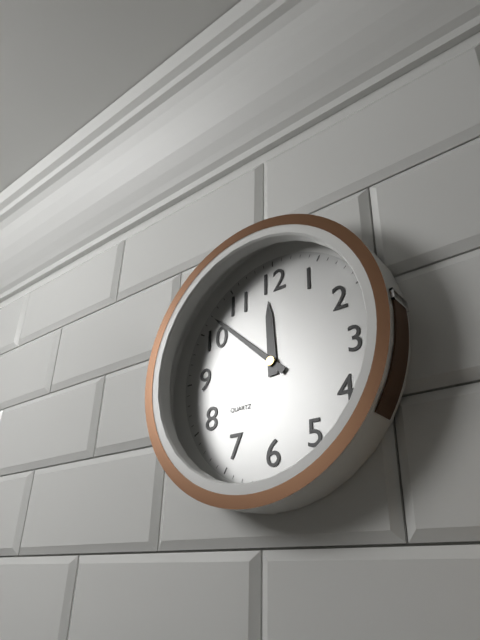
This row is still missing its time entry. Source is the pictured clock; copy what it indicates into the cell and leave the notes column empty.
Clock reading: 11:52
